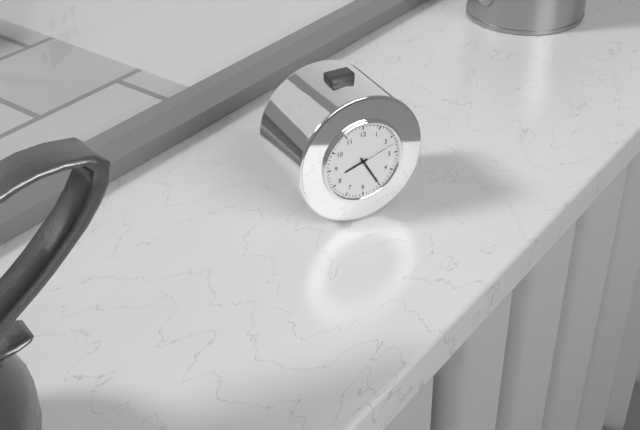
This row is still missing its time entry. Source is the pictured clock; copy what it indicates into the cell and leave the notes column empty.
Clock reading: 8:25
